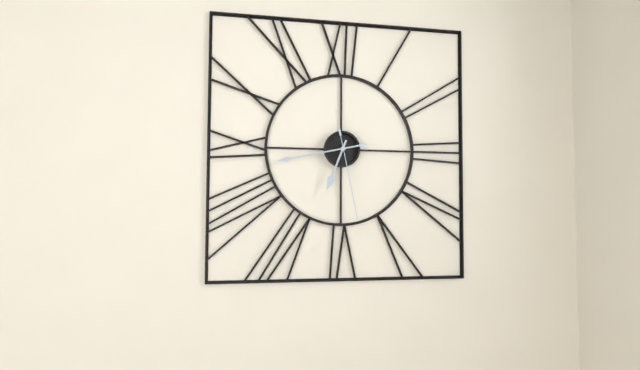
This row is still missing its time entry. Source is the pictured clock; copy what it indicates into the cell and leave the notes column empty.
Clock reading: 6:43:28
